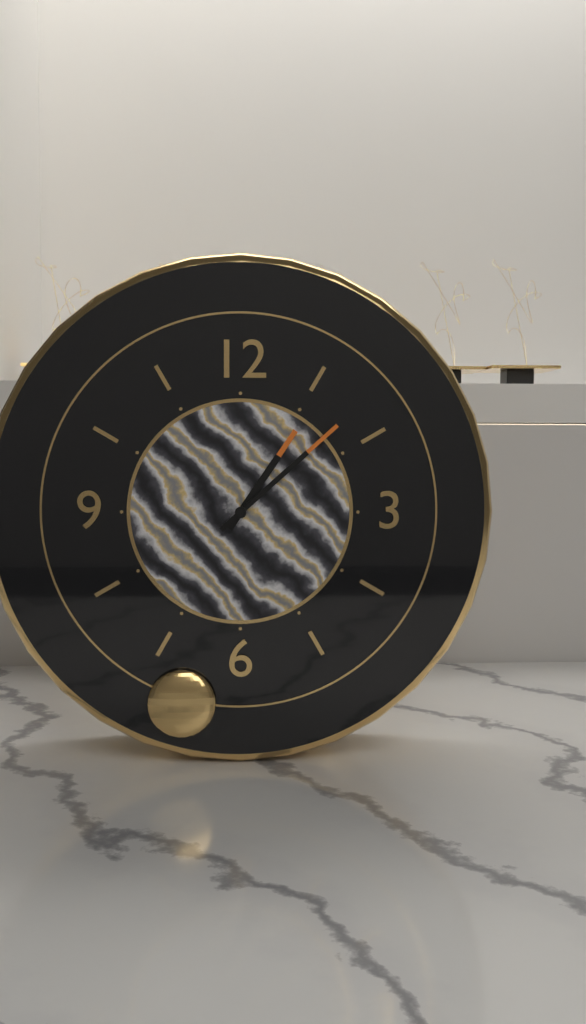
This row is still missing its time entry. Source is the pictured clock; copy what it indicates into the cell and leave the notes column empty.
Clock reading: 1:08
